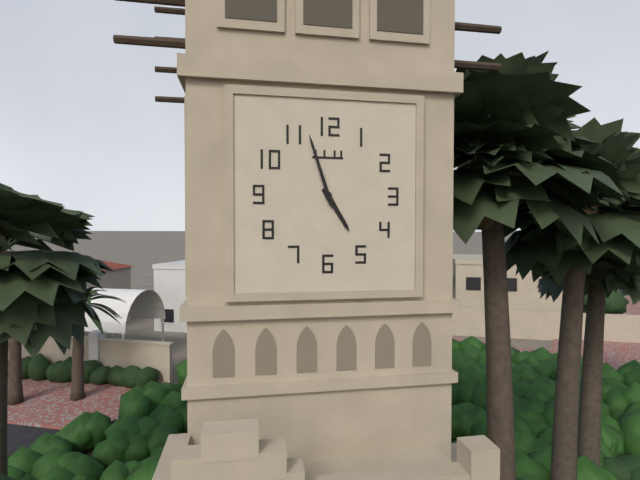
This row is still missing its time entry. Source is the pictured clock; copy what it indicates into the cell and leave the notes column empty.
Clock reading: 4:57
